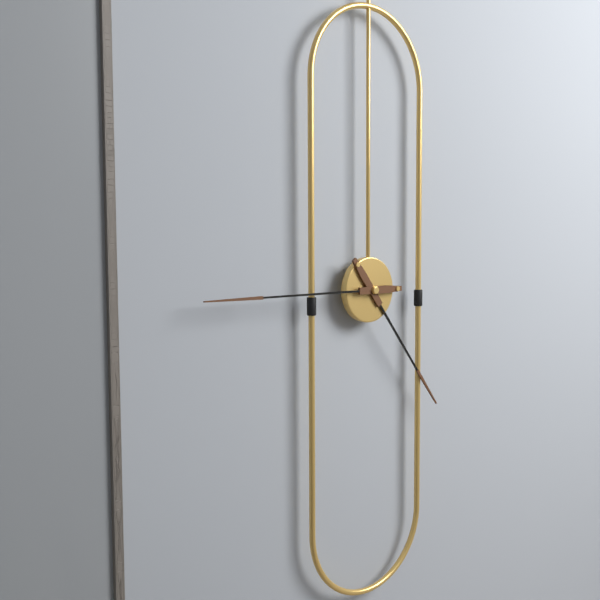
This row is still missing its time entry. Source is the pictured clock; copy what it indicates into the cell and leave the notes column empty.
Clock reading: 4:45
